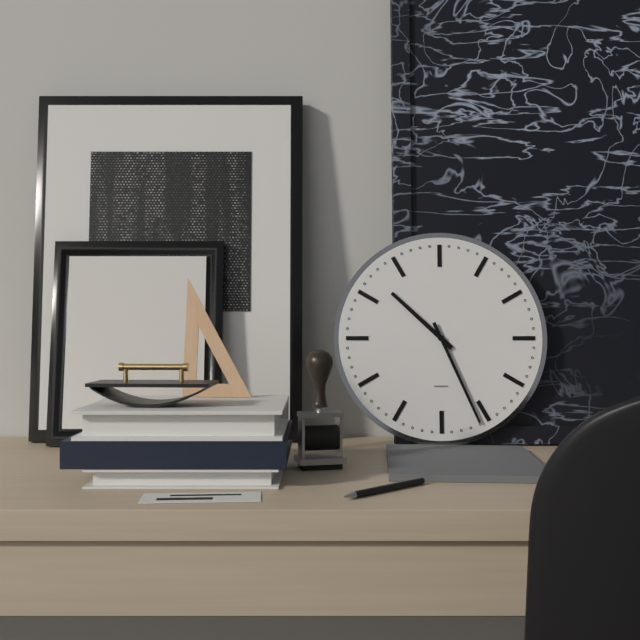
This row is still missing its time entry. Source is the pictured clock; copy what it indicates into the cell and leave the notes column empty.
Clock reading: 10:26
